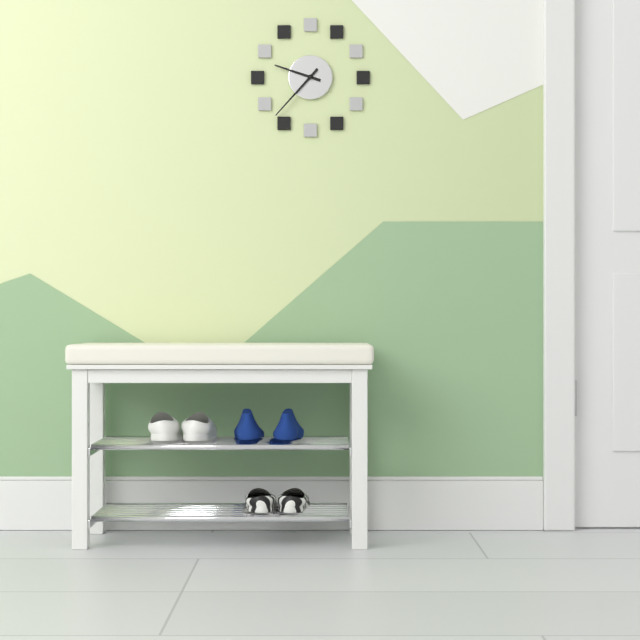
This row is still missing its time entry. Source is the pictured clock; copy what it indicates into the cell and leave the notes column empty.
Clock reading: 9:37
